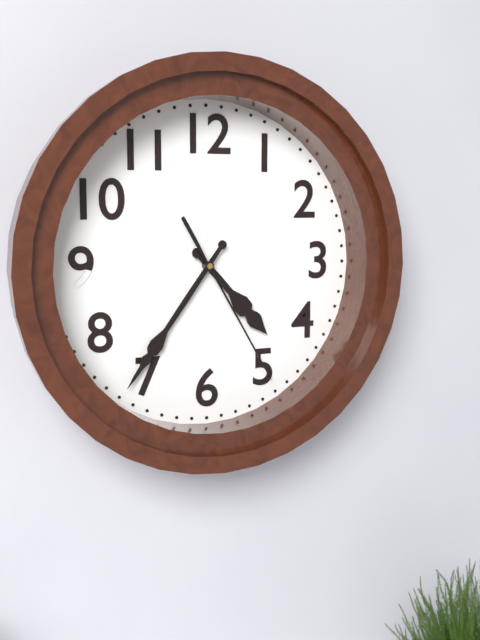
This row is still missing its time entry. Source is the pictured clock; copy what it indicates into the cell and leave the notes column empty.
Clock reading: 4:36:25
